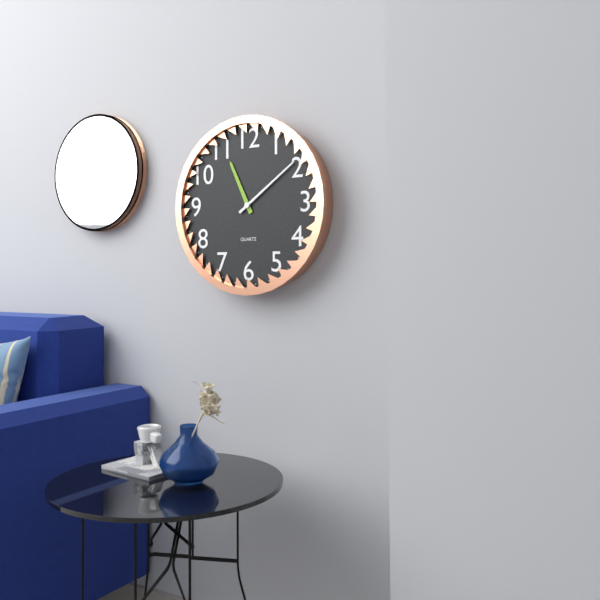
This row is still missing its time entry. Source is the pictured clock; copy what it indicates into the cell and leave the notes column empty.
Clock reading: 11:09
